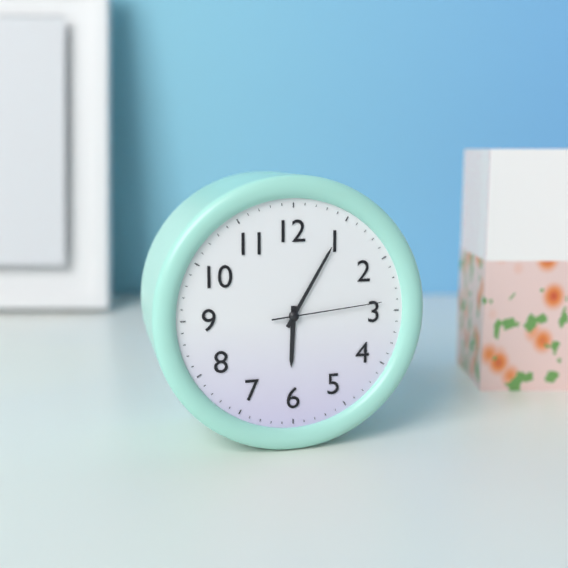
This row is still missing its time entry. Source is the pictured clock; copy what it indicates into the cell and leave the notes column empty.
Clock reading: 6:05:14
